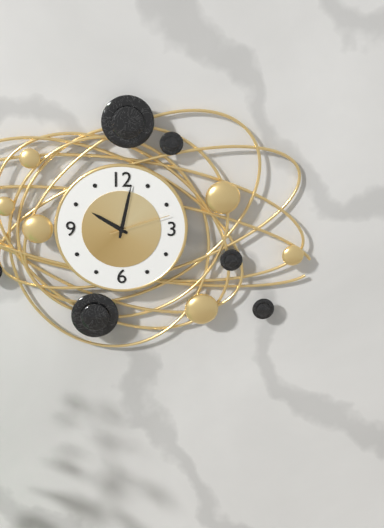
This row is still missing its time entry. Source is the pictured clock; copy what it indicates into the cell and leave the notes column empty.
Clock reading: 10:02:12
